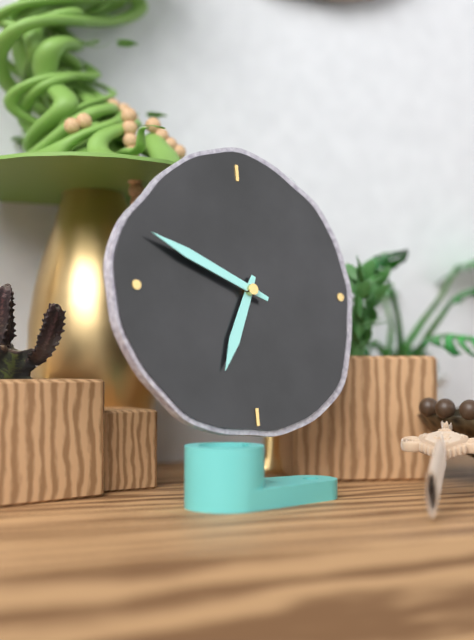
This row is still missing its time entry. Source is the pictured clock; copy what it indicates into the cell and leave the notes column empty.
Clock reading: 6:49
